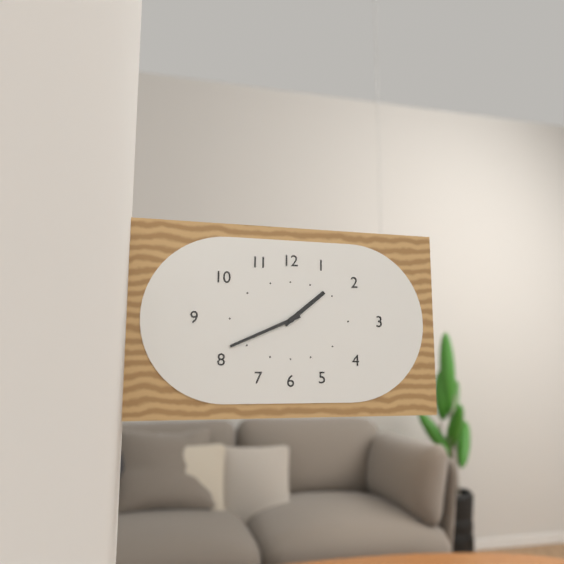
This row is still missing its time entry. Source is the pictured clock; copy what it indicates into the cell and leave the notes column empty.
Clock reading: 1:41
